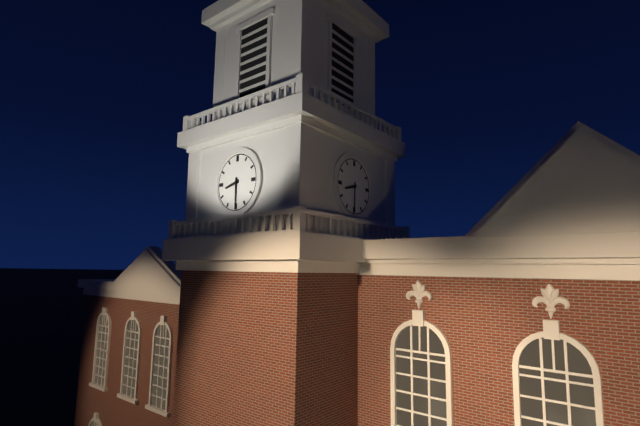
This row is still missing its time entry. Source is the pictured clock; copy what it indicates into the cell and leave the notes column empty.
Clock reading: 8:30
